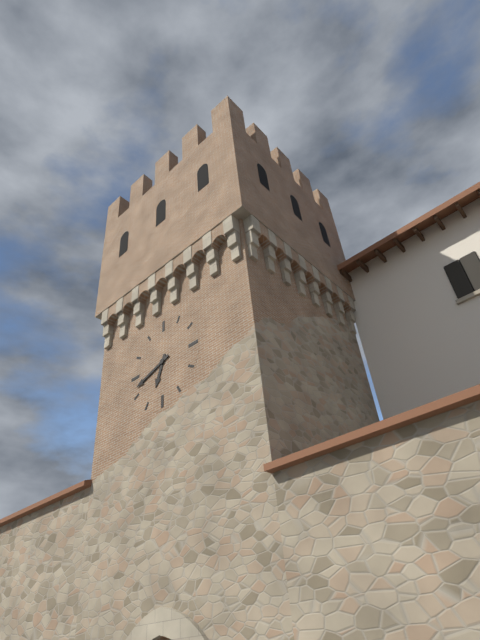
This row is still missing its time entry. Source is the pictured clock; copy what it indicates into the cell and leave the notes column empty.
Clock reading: 6:42
